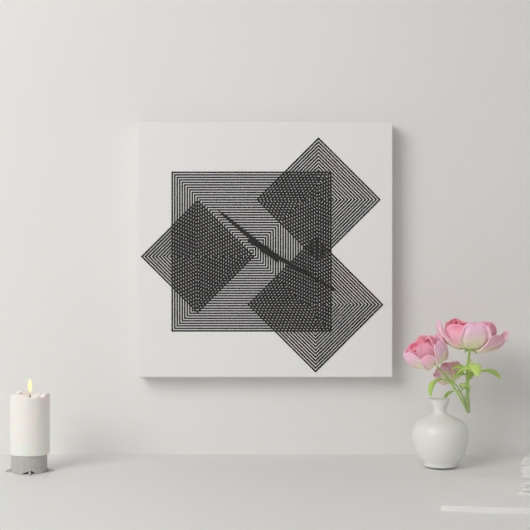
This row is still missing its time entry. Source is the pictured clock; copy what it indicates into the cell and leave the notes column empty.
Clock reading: 10:20
